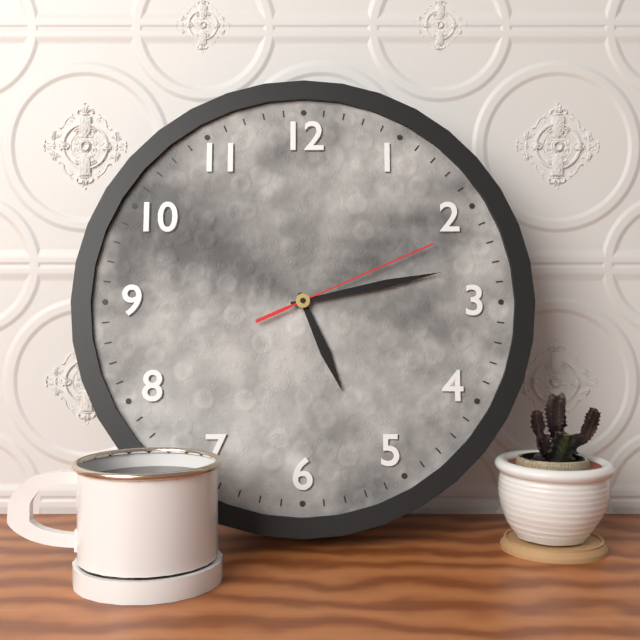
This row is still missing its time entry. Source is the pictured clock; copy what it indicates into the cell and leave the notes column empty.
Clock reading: 5:13:11
